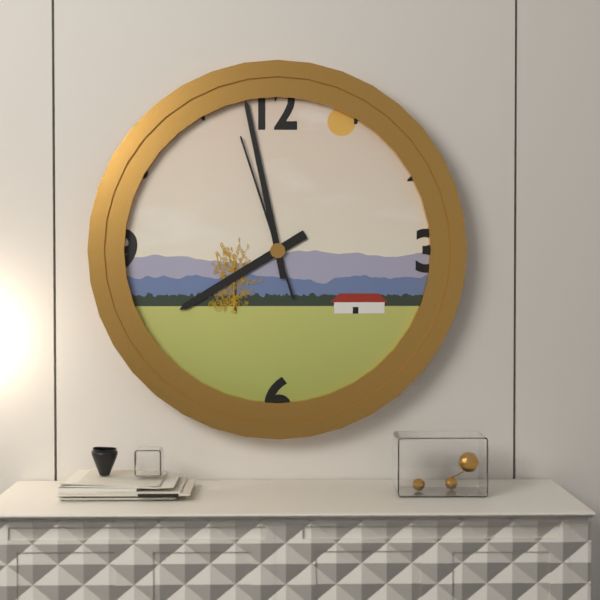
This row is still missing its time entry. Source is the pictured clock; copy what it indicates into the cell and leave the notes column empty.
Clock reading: 7:58:57
